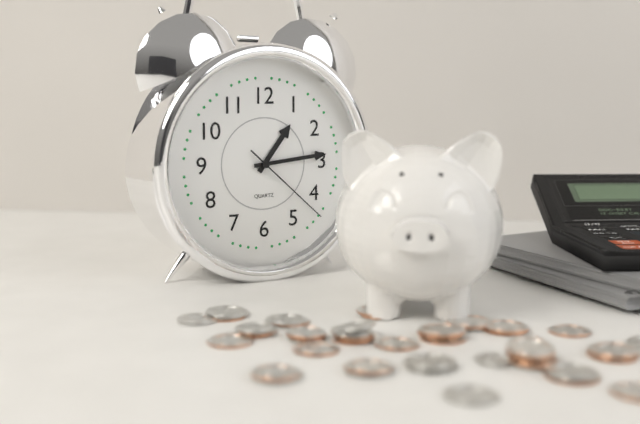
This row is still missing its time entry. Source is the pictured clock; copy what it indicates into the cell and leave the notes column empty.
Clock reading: 1:14:22
